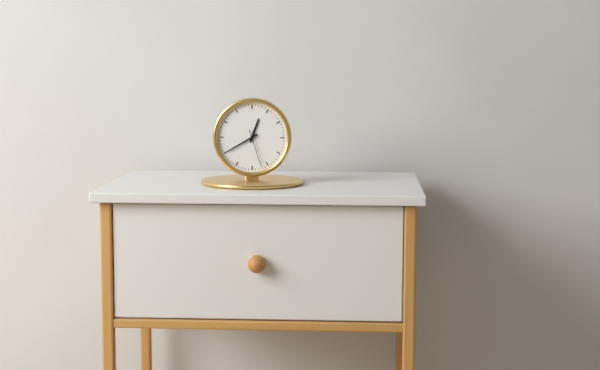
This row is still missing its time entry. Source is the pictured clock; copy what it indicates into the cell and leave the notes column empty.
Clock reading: 12:40
